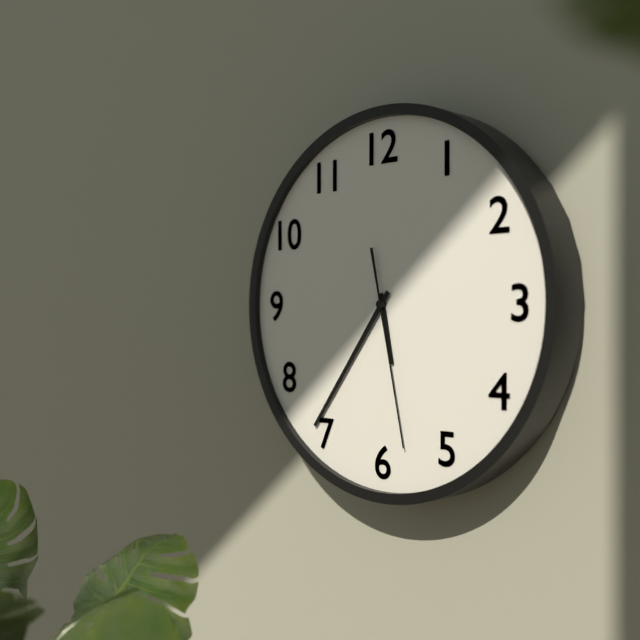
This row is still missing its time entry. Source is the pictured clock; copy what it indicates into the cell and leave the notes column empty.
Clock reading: 5:36:28
